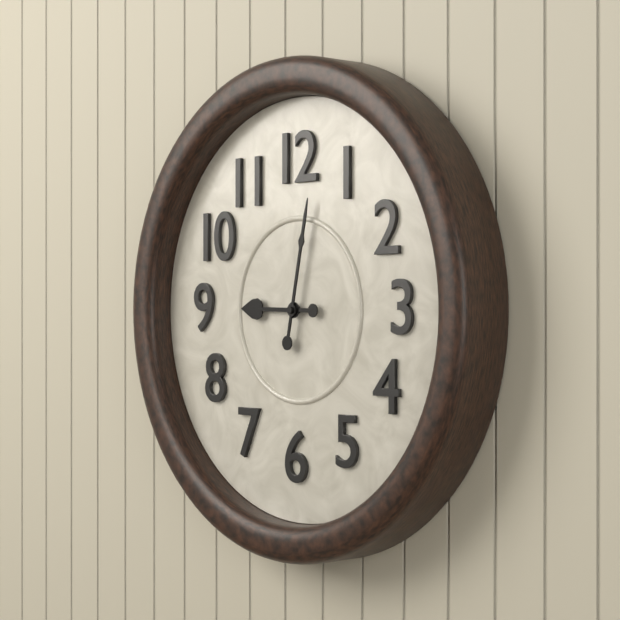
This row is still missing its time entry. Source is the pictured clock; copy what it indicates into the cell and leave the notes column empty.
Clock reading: 9:02
